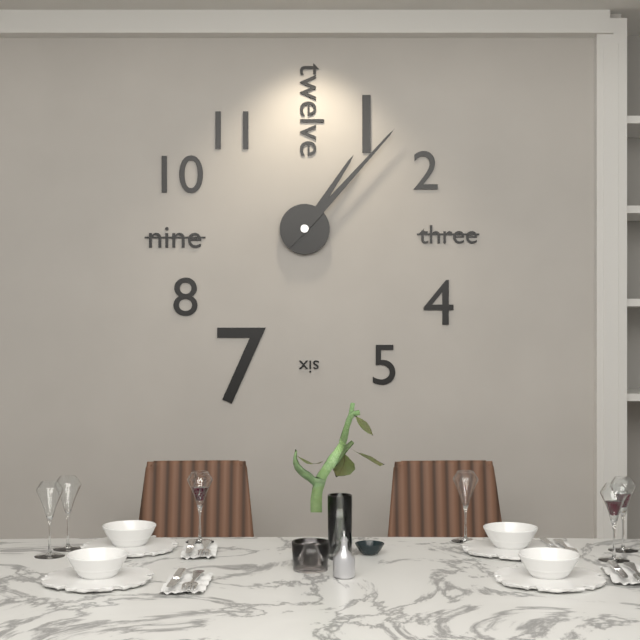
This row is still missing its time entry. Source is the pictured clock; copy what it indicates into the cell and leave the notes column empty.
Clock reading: 1:07
